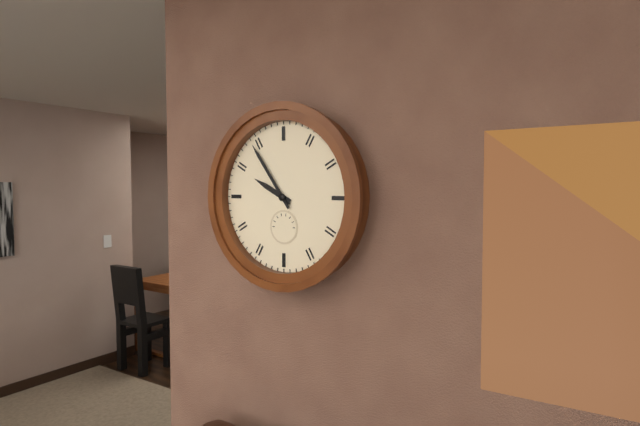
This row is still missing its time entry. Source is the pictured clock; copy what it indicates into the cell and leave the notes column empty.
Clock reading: 9:54
